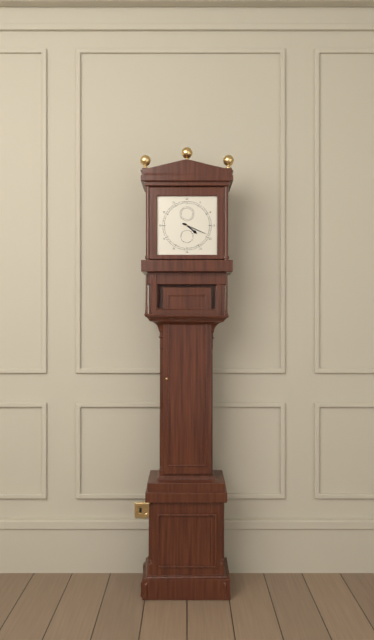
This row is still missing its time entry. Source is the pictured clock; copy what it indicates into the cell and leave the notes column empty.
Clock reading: 4:19
